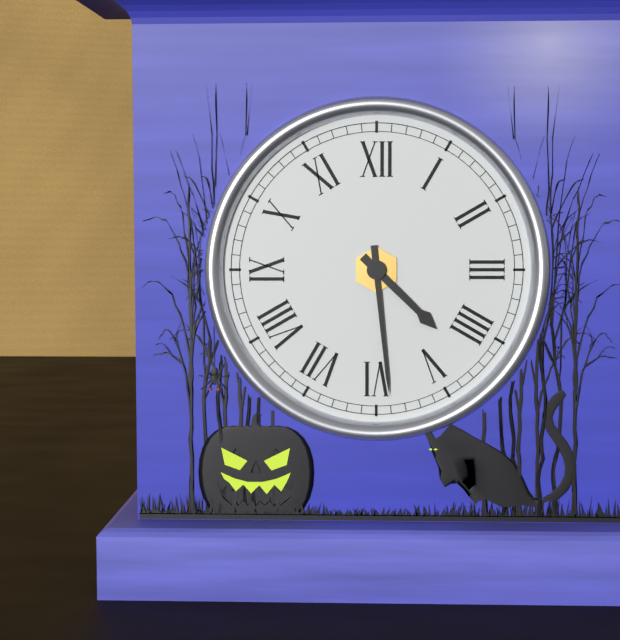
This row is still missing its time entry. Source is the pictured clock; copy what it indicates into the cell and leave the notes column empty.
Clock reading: 4:29
